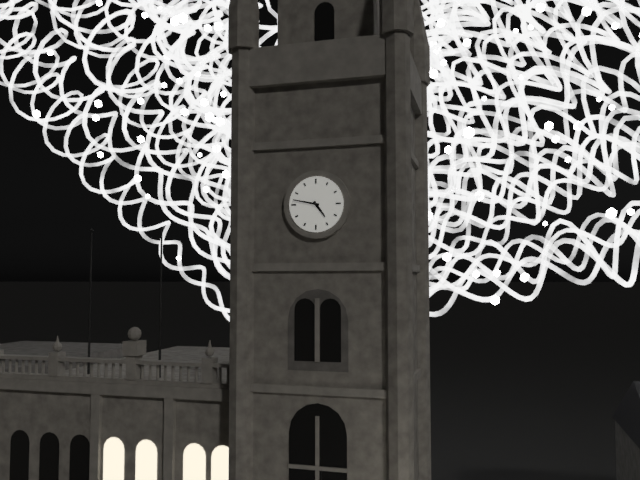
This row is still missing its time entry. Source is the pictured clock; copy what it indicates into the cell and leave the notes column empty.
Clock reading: 4:47
